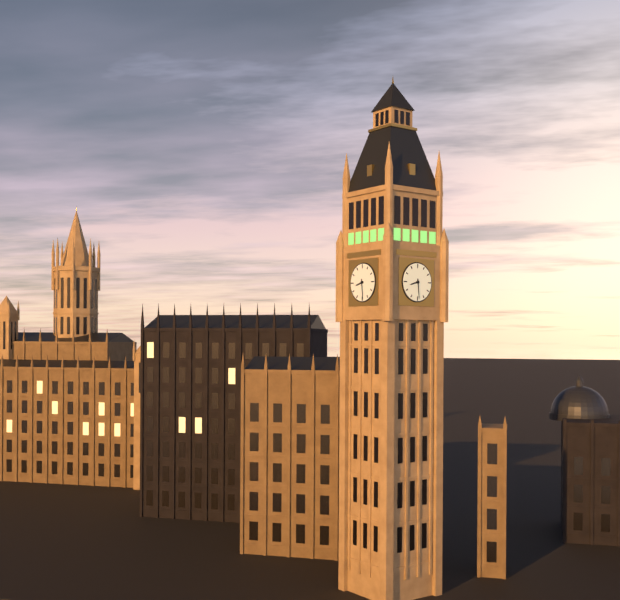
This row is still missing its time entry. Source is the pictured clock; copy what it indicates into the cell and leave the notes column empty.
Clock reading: 8:29
